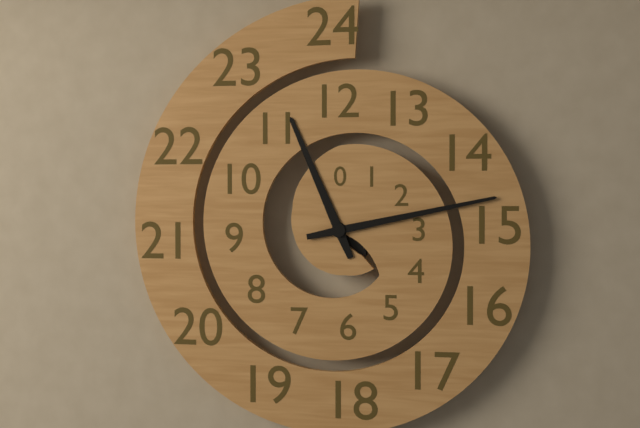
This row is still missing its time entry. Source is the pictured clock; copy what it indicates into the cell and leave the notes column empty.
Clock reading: 11:13
